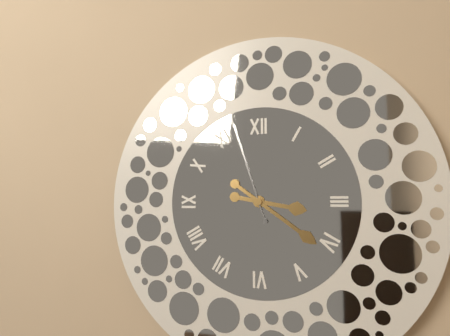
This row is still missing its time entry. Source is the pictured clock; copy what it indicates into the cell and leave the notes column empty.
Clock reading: 3:21:57
